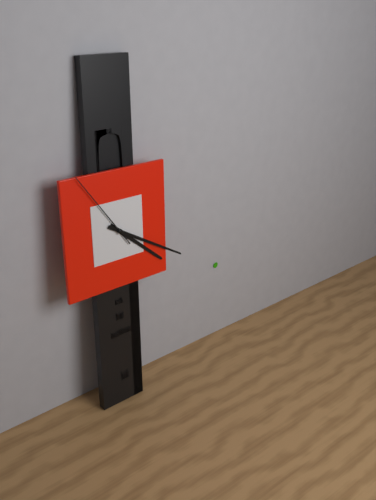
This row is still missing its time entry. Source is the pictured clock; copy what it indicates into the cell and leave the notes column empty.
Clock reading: 4:20:54
